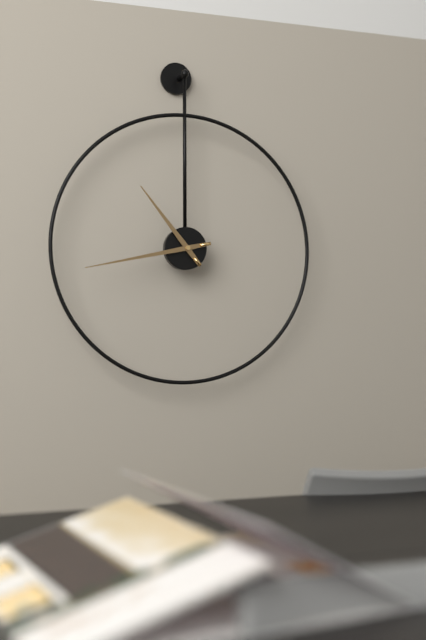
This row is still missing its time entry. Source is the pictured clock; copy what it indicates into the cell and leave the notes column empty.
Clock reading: 10:43
